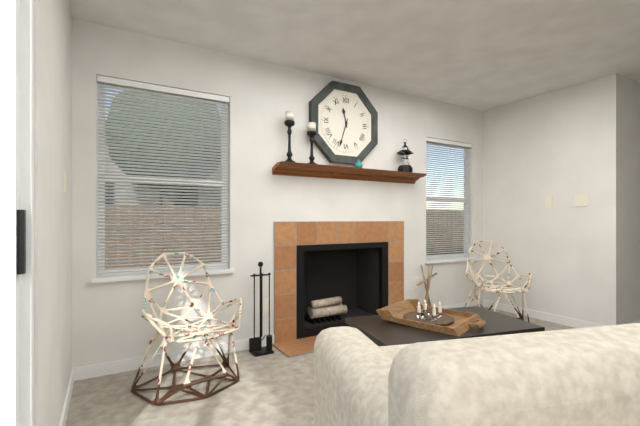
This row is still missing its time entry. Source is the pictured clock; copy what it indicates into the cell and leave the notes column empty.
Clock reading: 11:33
